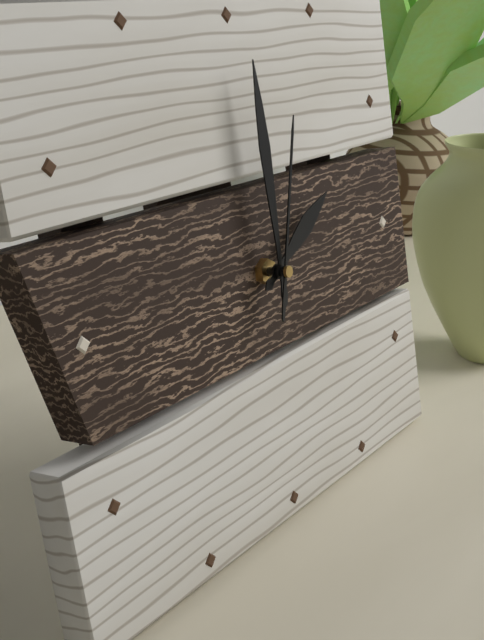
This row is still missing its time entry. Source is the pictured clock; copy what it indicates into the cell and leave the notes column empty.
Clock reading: 2:00:03
